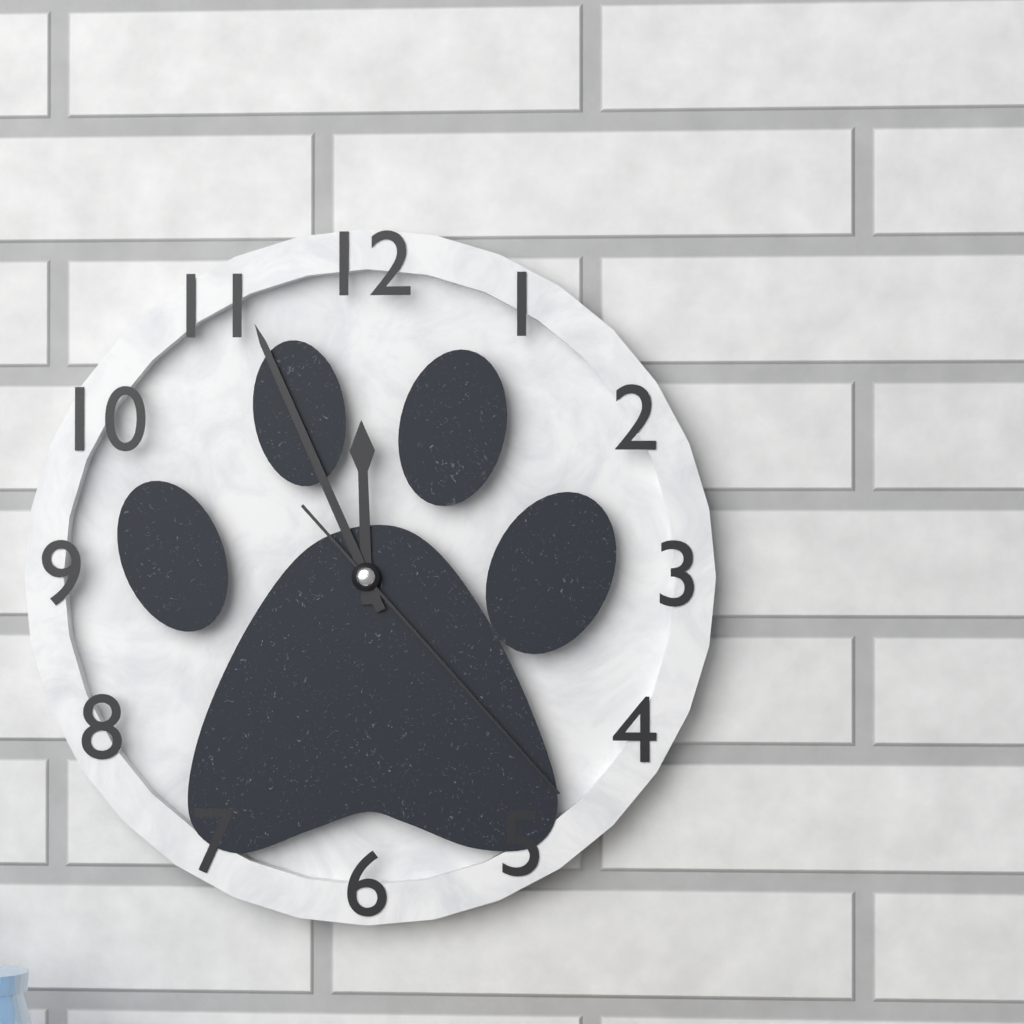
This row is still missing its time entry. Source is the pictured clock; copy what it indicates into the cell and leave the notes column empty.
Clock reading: 11:56:23
